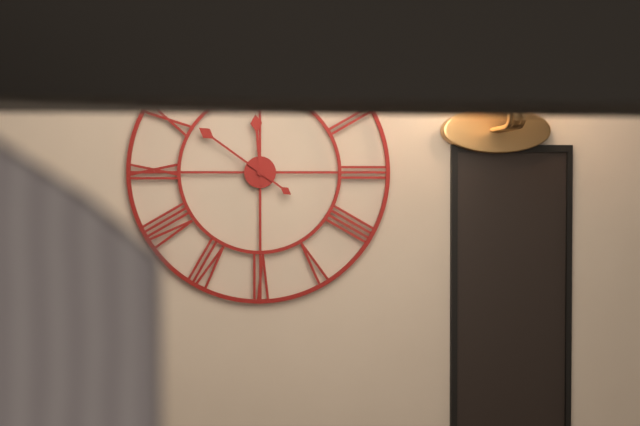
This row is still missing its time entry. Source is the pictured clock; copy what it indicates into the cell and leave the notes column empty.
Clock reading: 11:51
